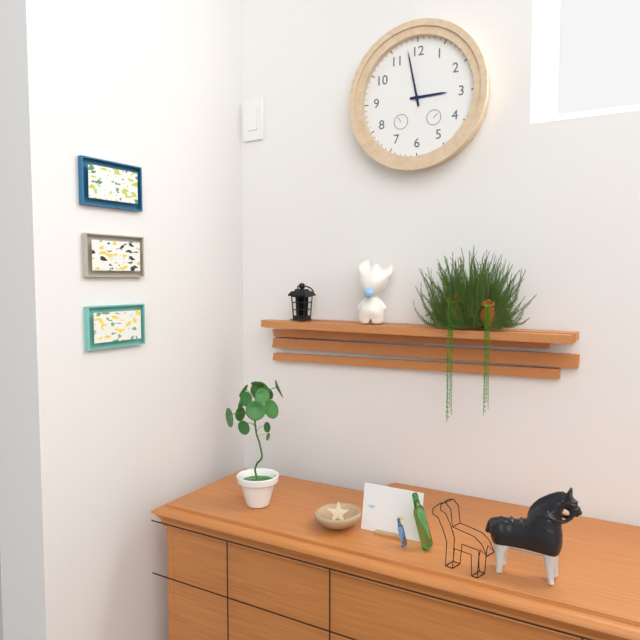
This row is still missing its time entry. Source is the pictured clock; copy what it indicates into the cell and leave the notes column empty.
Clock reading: 2:58
